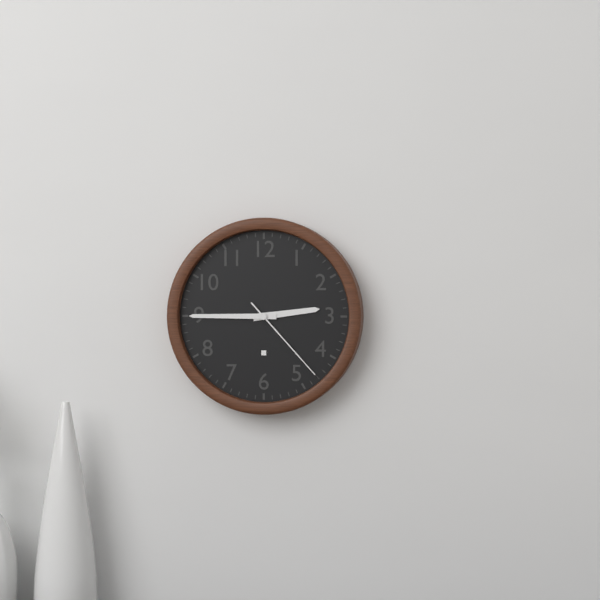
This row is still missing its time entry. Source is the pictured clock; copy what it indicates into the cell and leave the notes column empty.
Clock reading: 2:45:23
